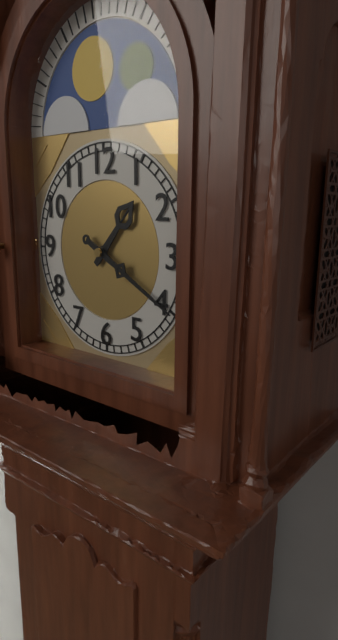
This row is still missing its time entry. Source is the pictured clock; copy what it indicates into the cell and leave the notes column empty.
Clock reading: 1:20
